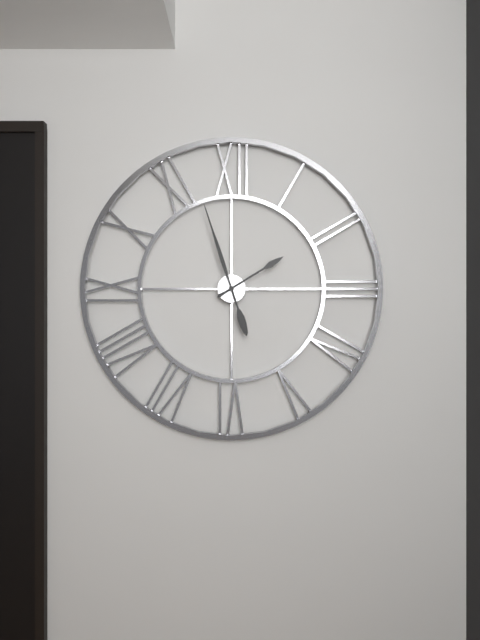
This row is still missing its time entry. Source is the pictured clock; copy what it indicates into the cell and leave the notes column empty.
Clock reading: 1:57
